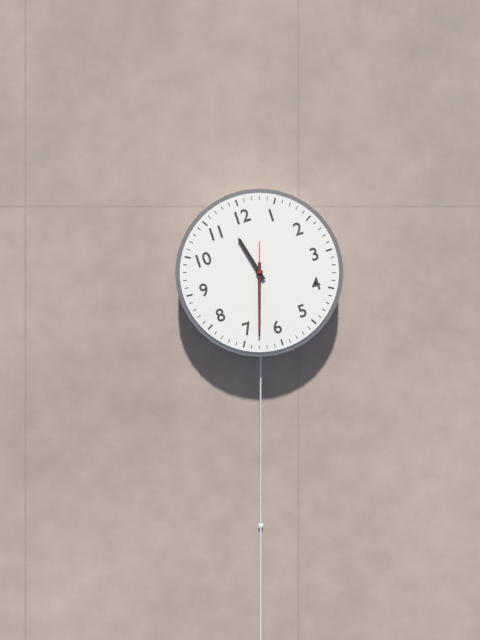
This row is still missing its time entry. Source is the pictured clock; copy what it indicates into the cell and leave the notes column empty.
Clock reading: 11:33:33
